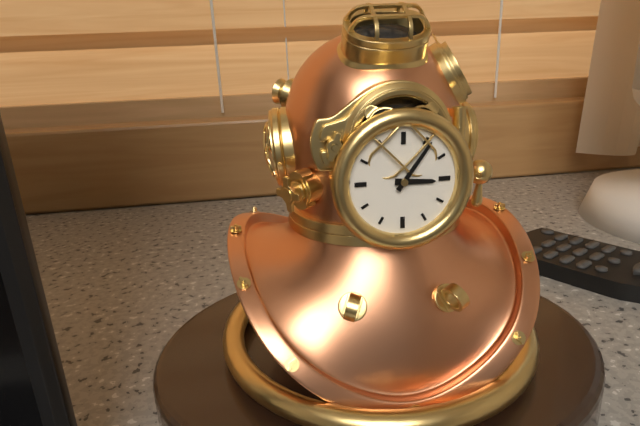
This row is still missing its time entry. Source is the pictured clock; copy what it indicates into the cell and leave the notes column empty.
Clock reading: 3:06
